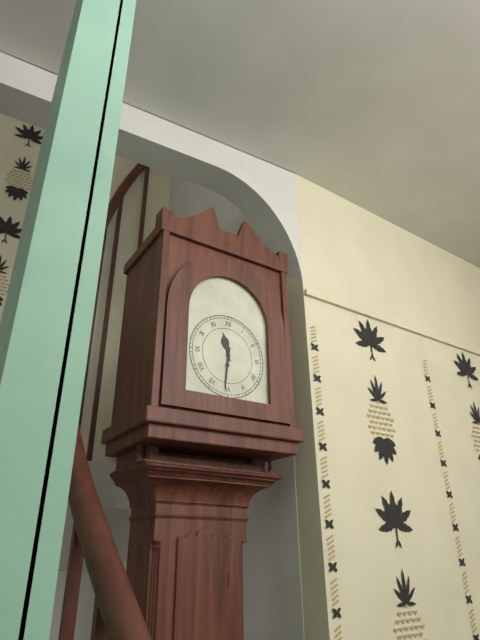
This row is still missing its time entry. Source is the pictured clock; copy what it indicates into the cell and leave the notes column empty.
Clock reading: 11:31
